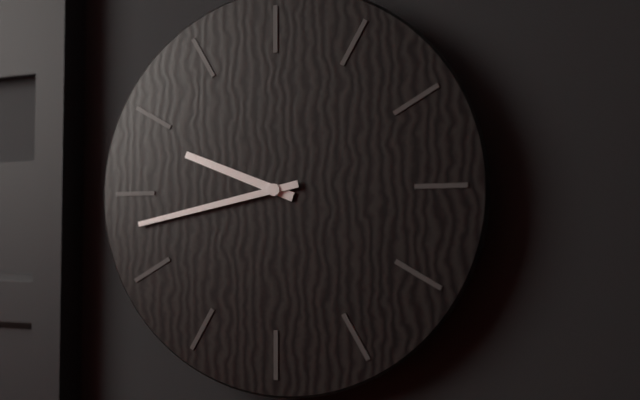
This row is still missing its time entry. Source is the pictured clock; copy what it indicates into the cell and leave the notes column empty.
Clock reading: 9:43
